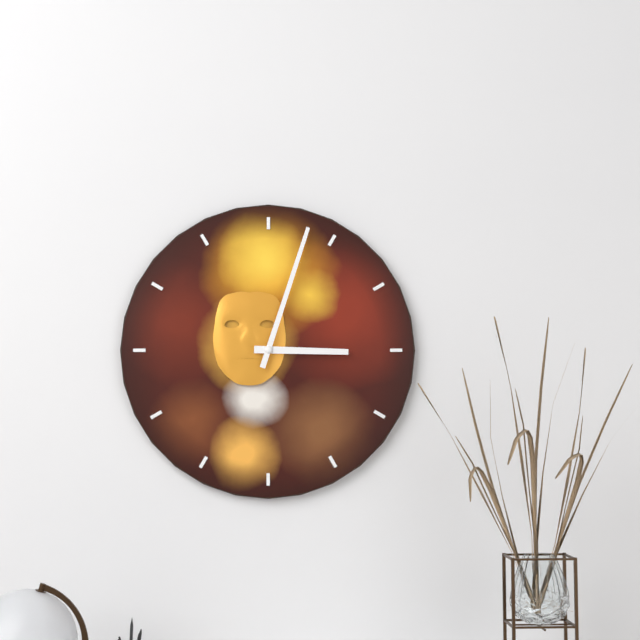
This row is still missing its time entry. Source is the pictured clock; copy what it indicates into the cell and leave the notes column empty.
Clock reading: 3:03
